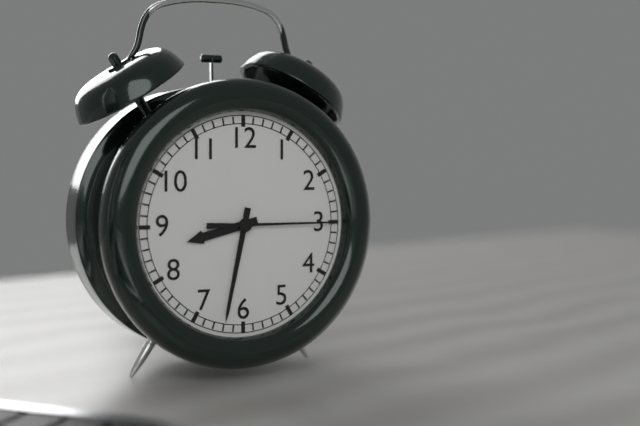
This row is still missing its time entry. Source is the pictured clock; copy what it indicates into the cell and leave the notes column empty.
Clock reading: 8:32:15
